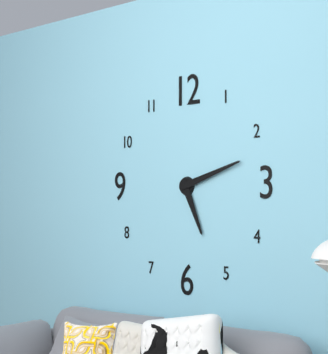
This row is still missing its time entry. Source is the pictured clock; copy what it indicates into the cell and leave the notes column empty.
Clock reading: 5:12
